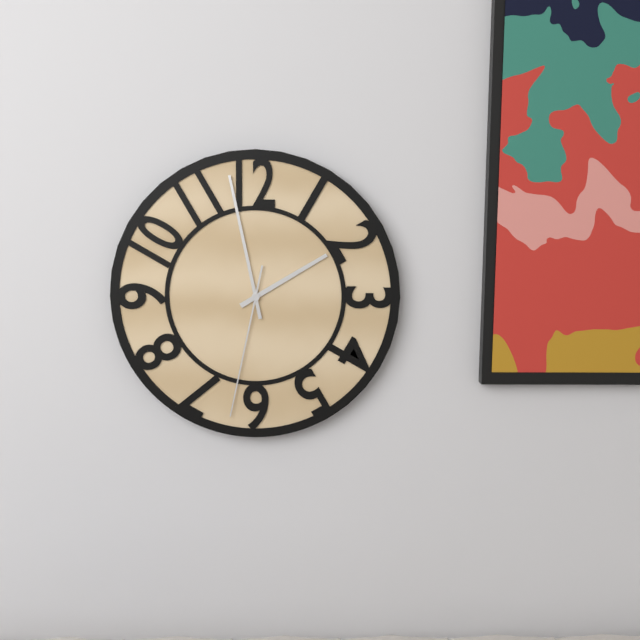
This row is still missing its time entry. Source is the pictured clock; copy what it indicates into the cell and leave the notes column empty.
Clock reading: 1:58:32
